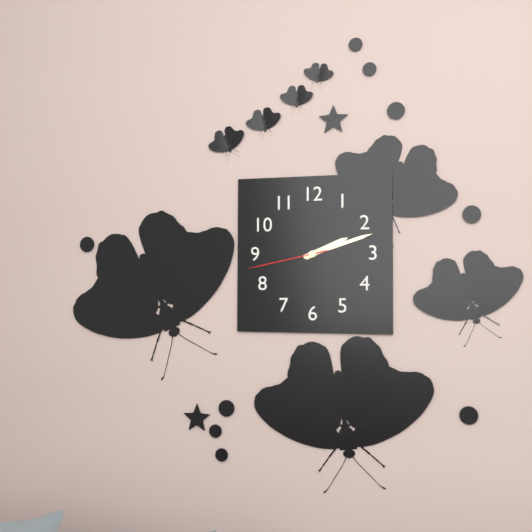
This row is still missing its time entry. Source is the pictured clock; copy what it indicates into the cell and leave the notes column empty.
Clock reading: 2:12:43
